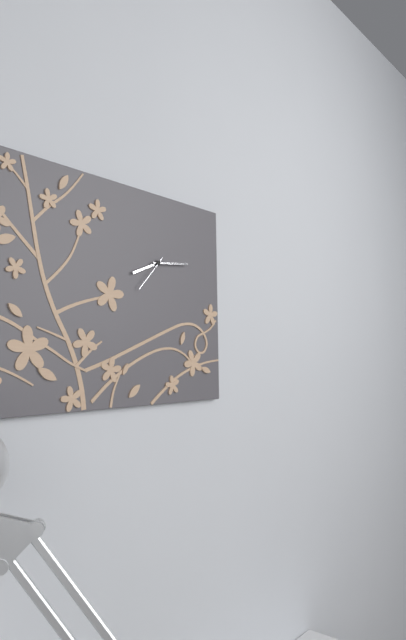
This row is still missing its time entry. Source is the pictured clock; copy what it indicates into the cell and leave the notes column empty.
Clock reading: 8:14
